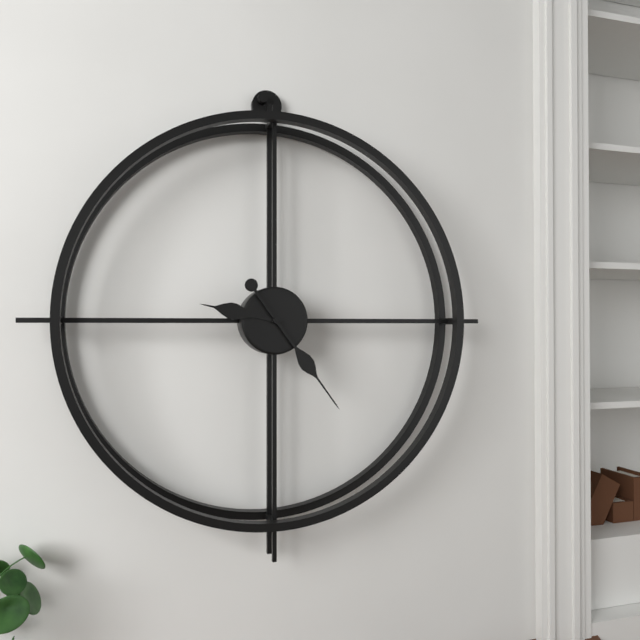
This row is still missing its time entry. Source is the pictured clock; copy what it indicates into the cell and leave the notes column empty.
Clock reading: 9:24
